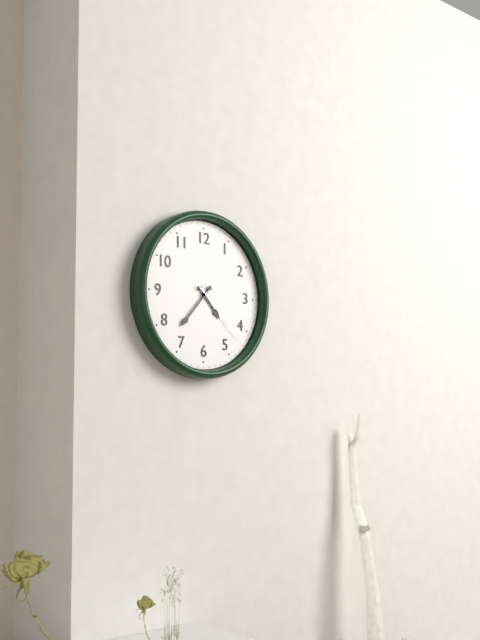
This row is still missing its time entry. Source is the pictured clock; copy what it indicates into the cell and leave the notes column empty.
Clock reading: 4:37:22
